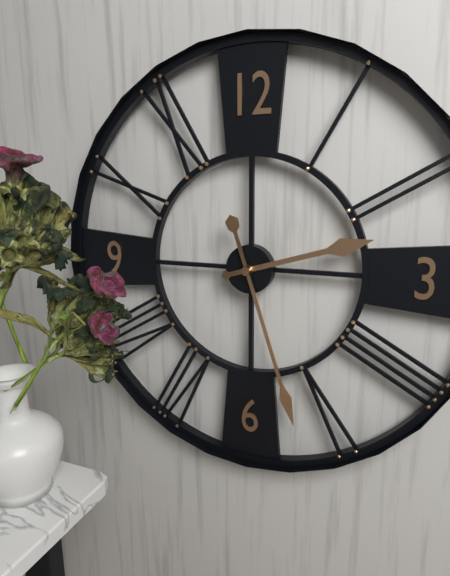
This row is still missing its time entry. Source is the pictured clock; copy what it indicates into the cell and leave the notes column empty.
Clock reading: 2:27
